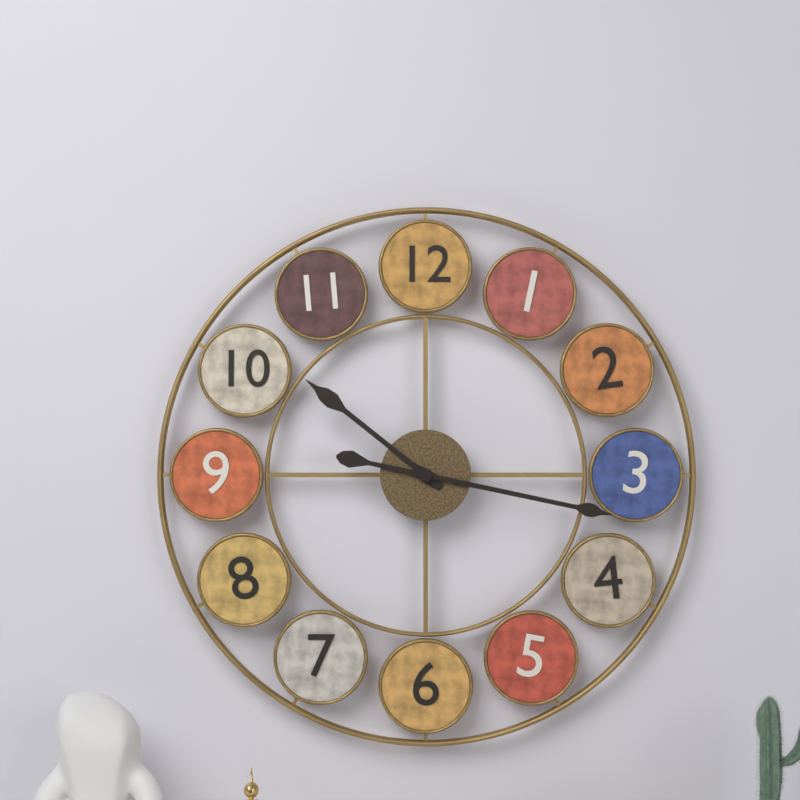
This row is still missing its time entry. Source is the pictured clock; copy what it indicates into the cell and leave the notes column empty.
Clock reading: 10:17
